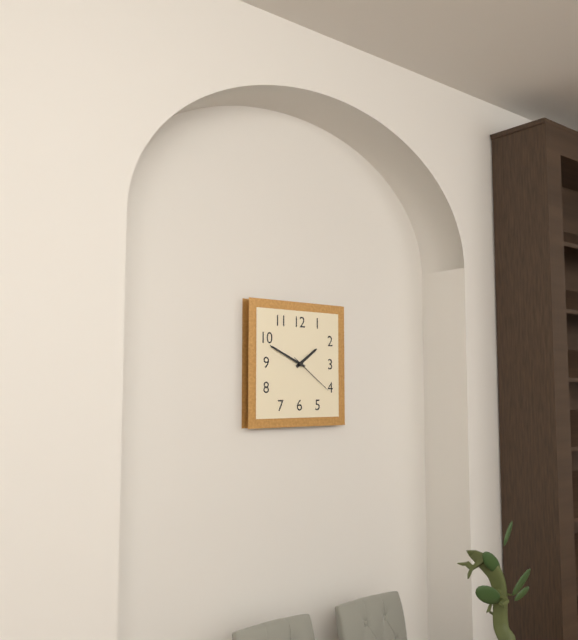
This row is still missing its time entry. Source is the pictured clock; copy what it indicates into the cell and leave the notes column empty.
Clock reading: 1:49
